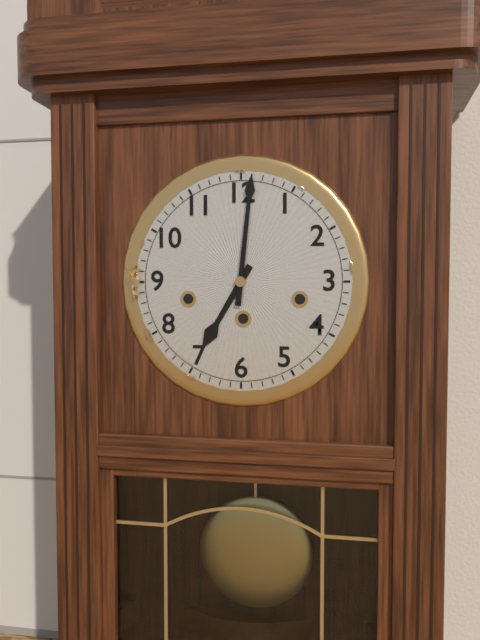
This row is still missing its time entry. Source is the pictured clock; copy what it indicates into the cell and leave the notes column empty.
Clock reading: 7:01
